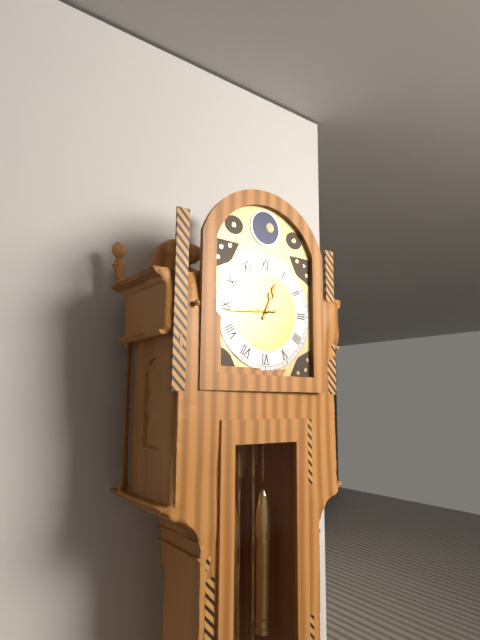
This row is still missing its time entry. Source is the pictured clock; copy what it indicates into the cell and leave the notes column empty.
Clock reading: 12:44
